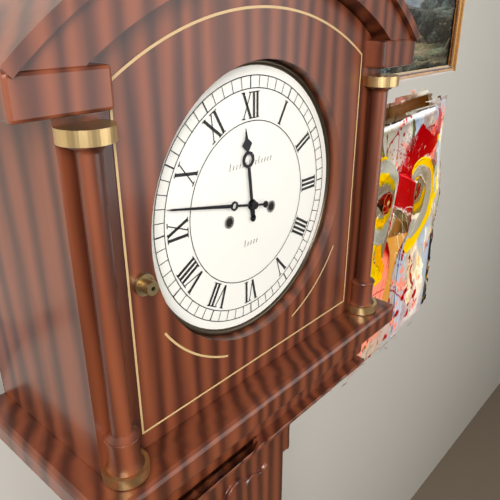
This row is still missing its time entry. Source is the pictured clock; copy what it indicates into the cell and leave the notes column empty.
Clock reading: 11:47
